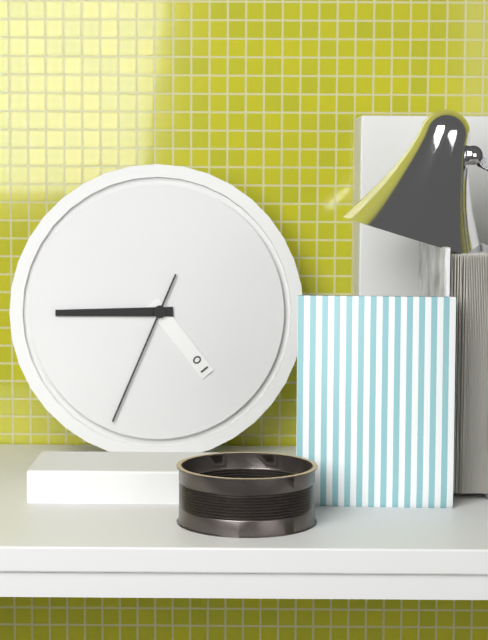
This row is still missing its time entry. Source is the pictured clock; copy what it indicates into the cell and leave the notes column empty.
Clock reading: 4:45:34
